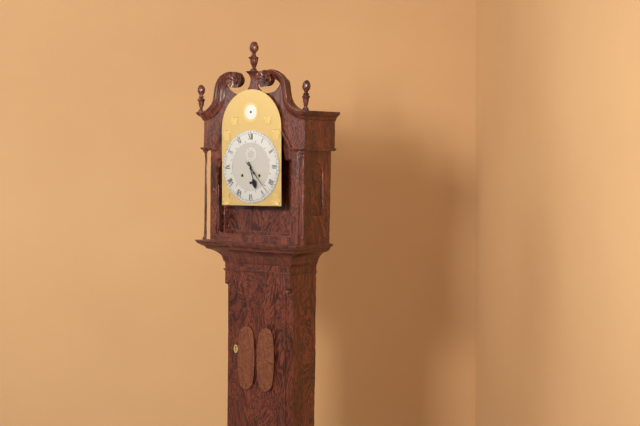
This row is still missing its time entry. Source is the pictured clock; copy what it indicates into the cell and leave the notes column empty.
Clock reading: 5:23
